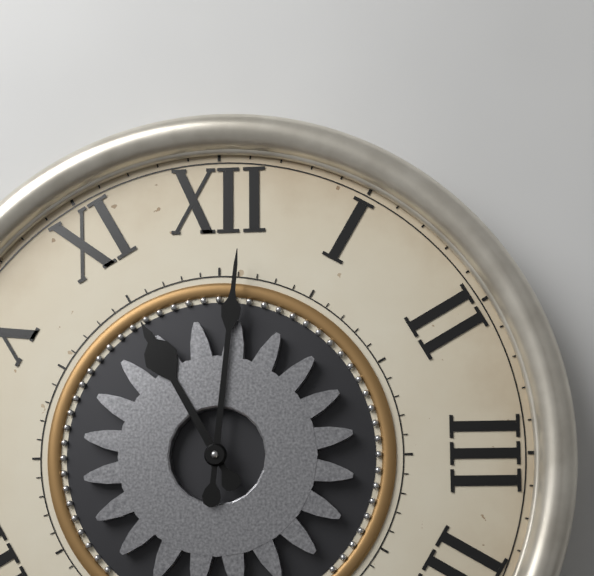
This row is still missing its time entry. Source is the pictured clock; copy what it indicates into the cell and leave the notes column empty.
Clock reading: 11:01
